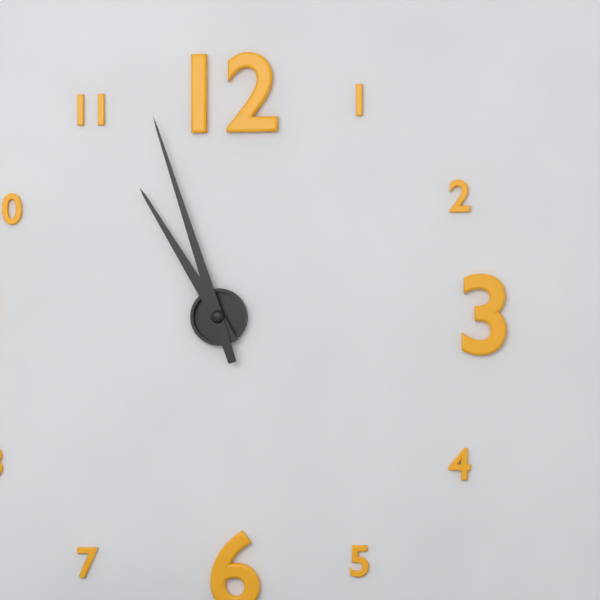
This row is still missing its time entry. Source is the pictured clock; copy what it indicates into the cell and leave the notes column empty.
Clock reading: 10:57
